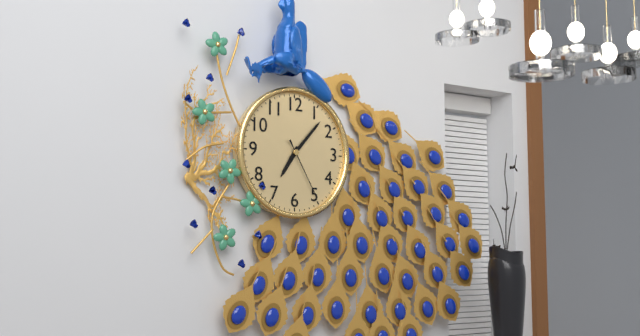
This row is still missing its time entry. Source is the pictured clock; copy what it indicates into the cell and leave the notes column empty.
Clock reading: 7:07:25
